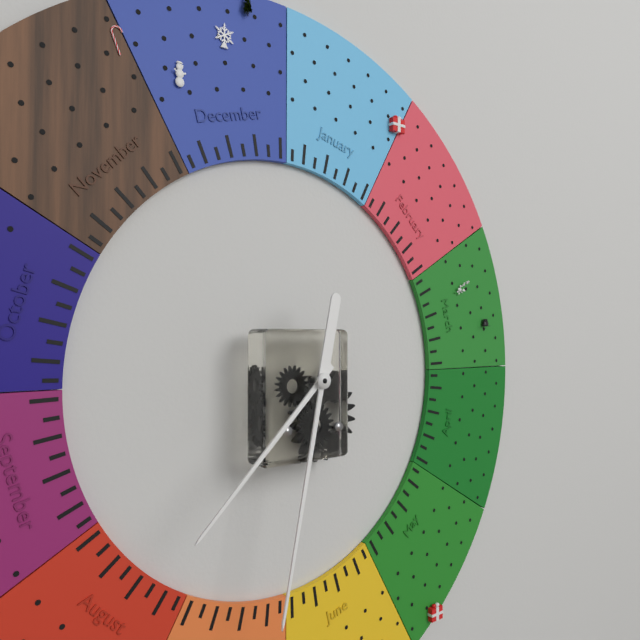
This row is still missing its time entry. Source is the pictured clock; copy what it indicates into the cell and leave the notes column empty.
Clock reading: 7:32
